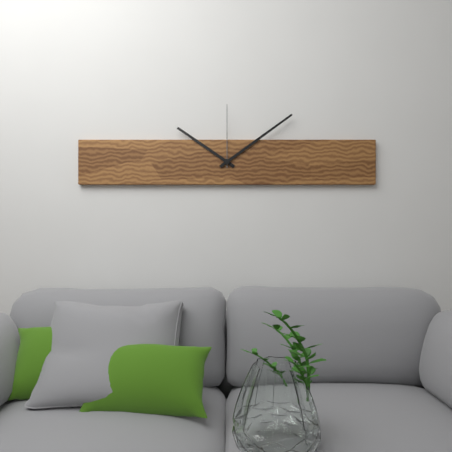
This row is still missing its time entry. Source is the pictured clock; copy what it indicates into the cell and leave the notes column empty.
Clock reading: 10:09:00
